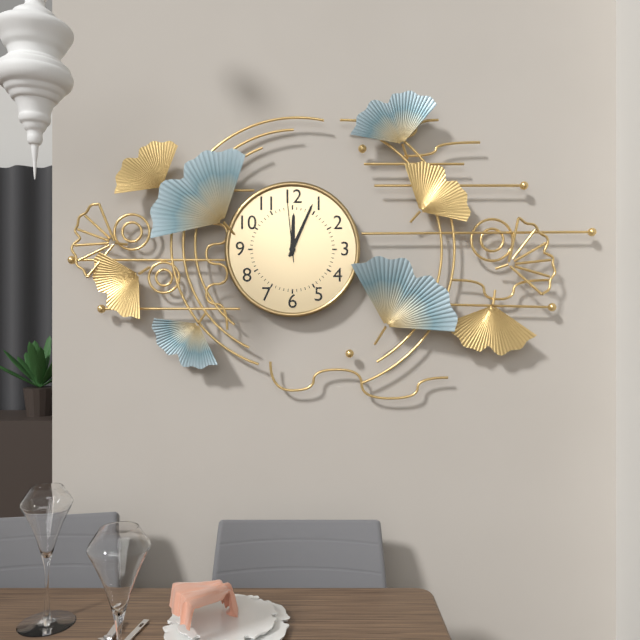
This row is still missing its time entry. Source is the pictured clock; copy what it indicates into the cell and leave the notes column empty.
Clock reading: 12:04:59
